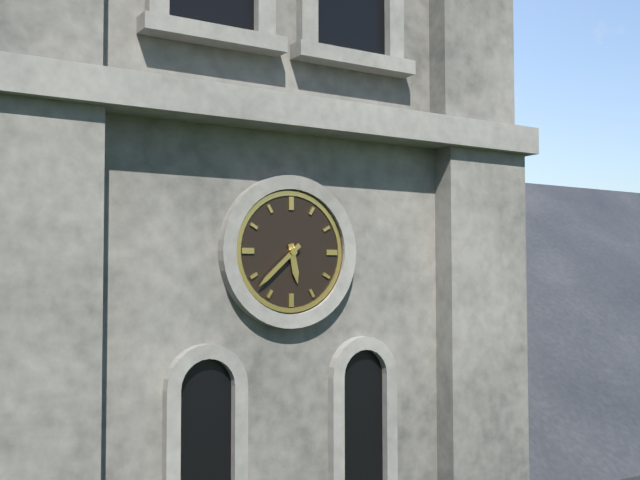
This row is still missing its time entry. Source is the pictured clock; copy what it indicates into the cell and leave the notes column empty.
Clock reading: 5:38
